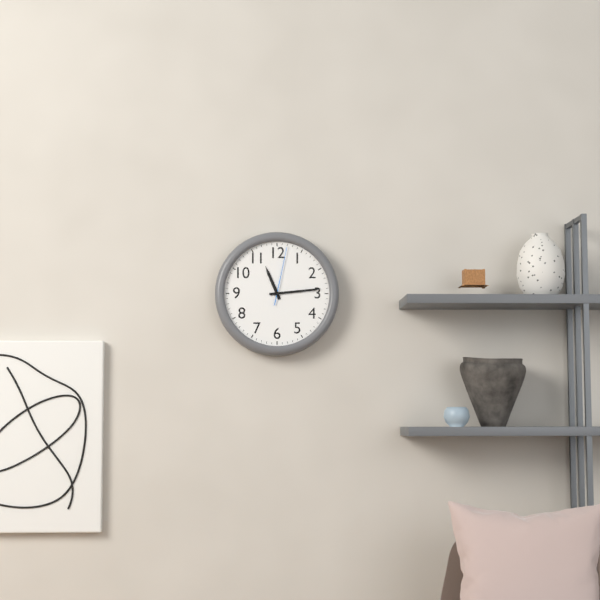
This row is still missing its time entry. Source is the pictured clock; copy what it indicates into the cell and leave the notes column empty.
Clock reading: 11:14:02
